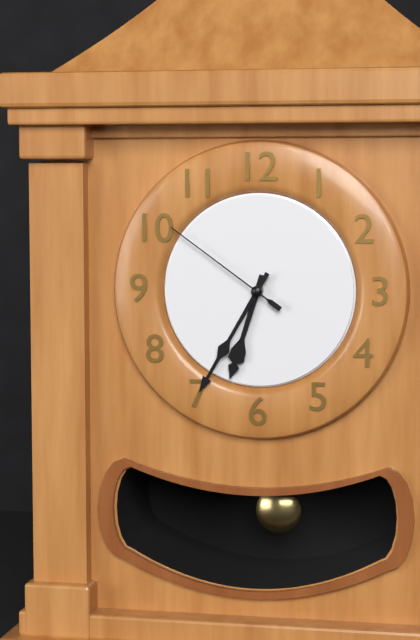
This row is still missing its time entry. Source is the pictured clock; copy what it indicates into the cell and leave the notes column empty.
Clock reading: 6:35:51
